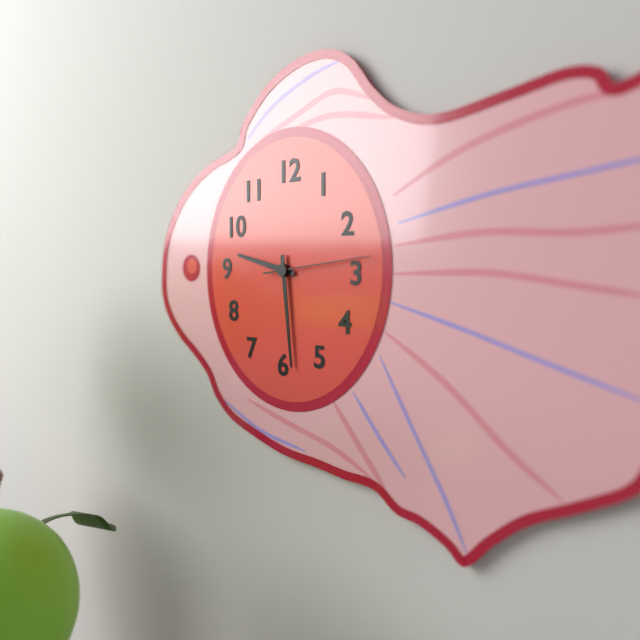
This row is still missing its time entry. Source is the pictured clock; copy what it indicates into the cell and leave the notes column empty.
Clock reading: 9:29:14
